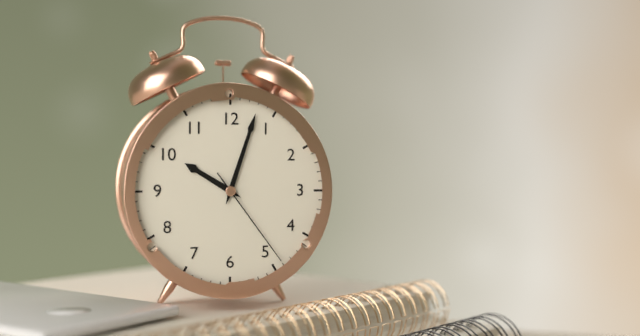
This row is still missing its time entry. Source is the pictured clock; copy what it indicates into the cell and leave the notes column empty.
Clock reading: 10:03:24
